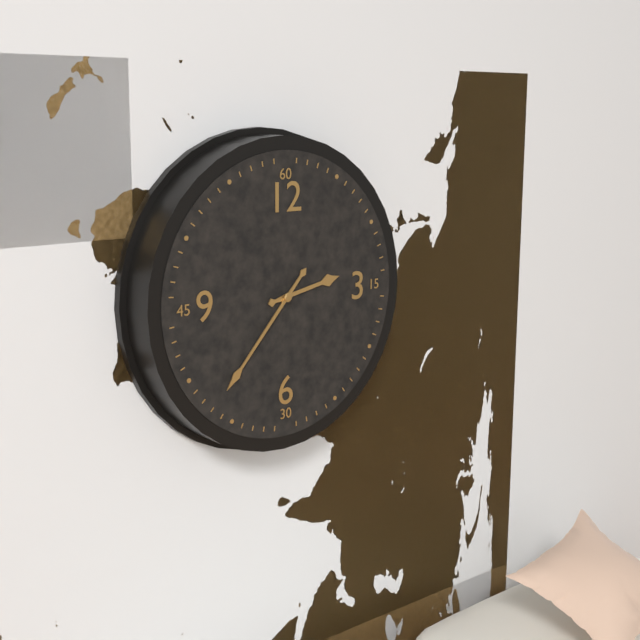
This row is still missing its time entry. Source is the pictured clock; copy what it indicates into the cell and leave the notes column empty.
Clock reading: 2:37
